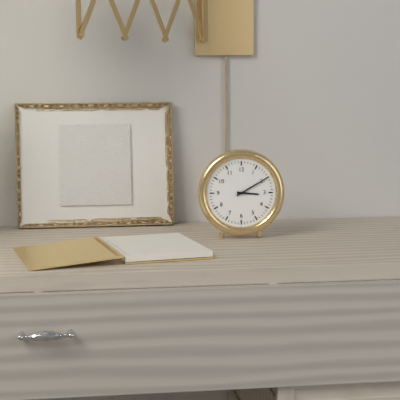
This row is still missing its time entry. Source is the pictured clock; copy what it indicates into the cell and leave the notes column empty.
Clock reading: 3:10
